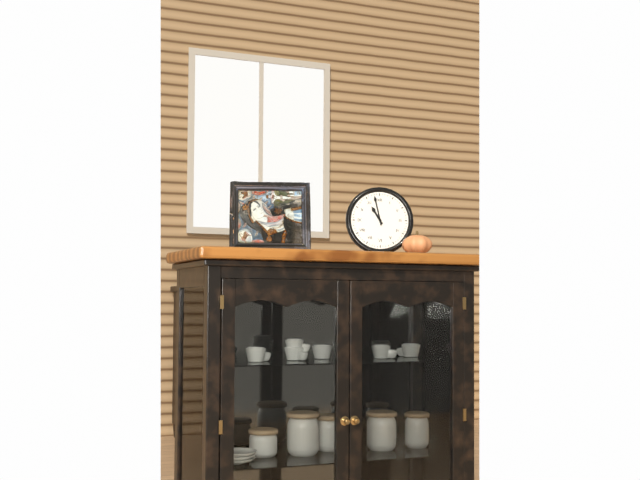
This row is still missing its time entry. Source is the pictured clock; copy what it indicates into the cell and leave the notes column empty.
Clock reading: 10:58
